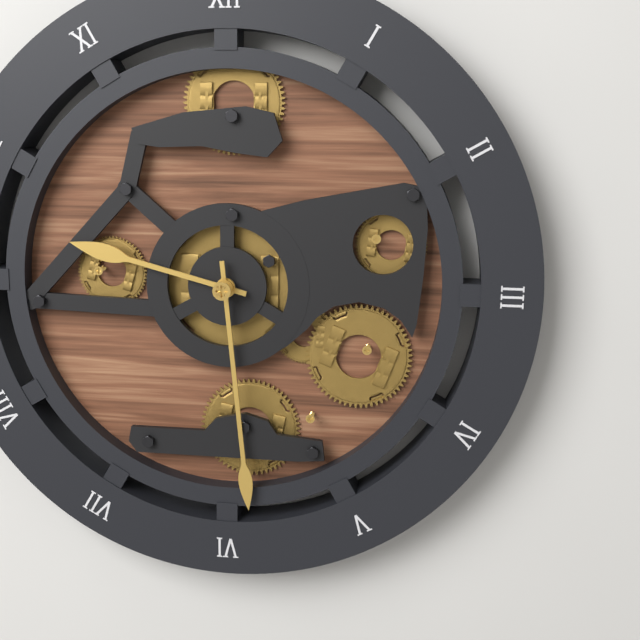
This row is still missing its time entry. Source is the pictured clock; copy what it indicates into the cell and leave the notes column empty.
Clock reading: 9:29
